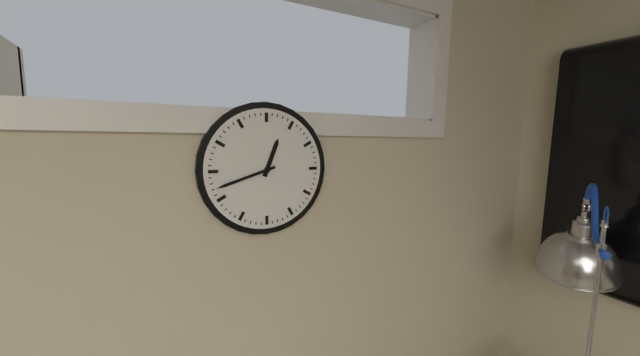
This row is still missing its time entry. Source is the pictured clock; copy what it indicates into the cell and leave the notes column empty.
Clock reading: 12:42
